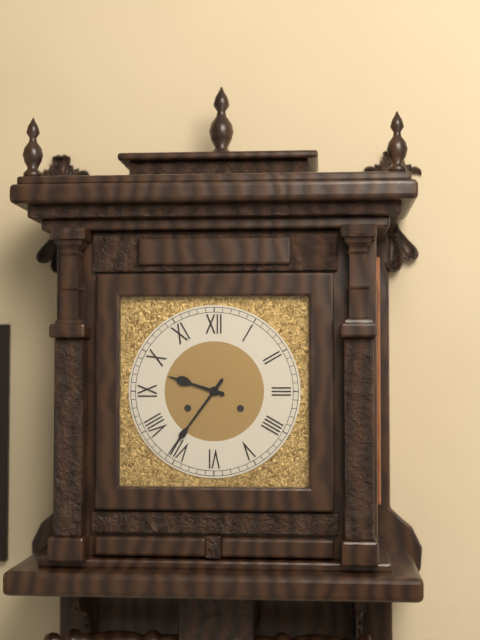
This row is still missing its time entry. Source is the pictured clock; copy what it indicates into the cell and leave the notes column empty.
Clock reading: 9:36
